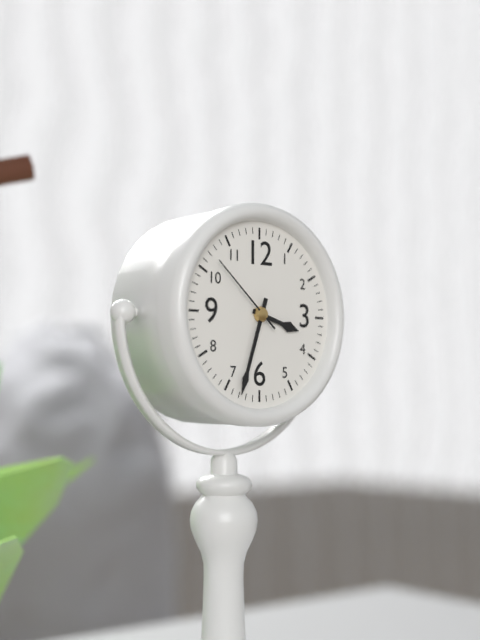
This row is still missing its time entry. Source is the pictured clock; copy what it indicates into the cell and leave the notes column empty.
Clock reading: 3:33:52
